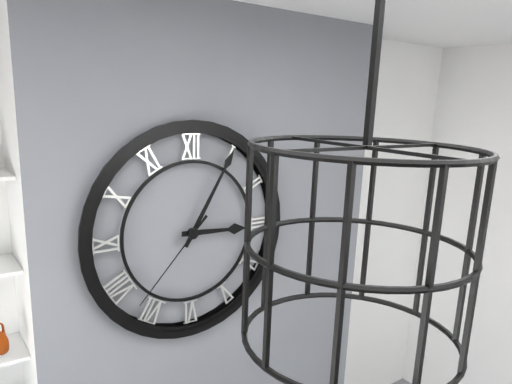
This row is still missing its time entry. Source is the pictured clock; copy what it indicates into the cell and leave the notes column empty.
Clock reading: 3:05:37
